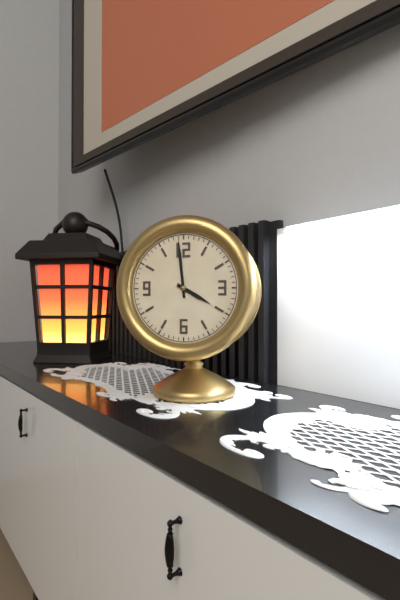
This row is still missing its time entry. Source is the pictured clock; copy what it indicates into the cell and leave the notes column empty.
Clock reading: 3:59
